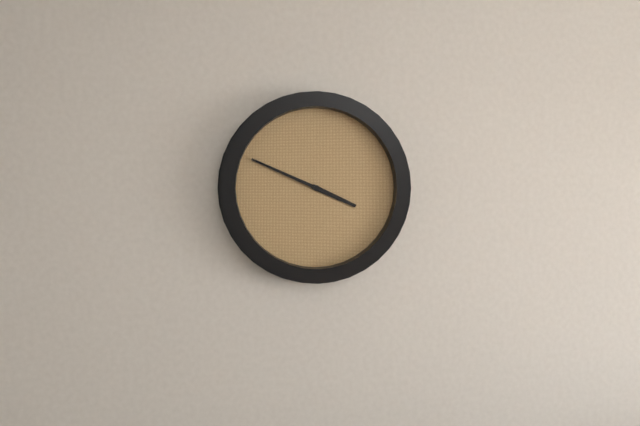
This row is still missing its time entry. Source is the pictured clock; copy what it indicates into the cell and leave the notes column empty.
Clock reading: 3:49
